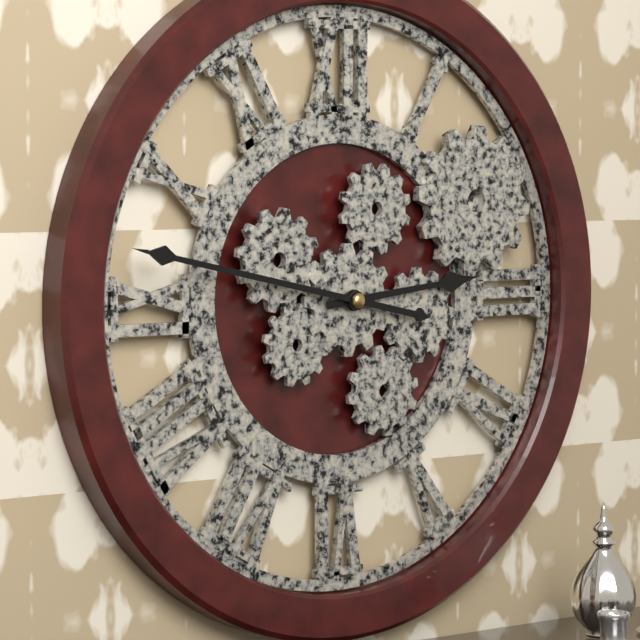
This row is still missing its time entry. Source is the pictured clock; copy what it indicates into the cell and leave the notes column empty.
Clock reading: 2:47
